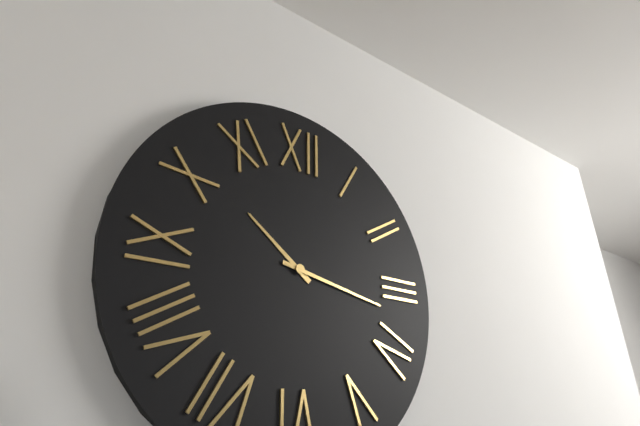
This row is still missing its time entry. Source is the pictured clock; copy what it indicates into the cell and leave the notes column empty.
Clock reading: 10:17
